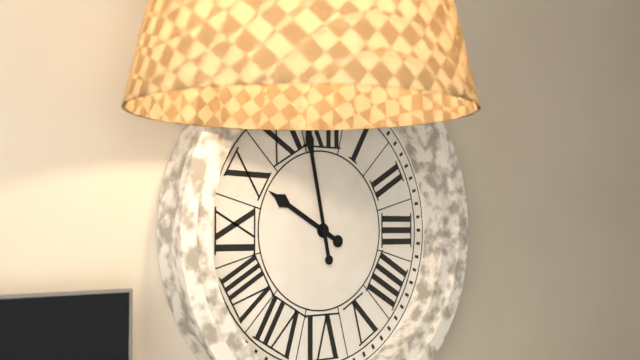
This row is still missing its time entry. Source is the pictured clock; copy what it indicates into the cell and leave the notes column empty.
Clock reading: 9:58
